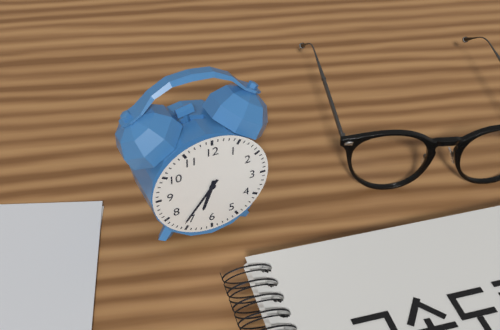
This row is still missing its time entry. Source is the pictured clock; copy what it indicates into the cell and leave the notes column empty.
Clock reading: 6:36
